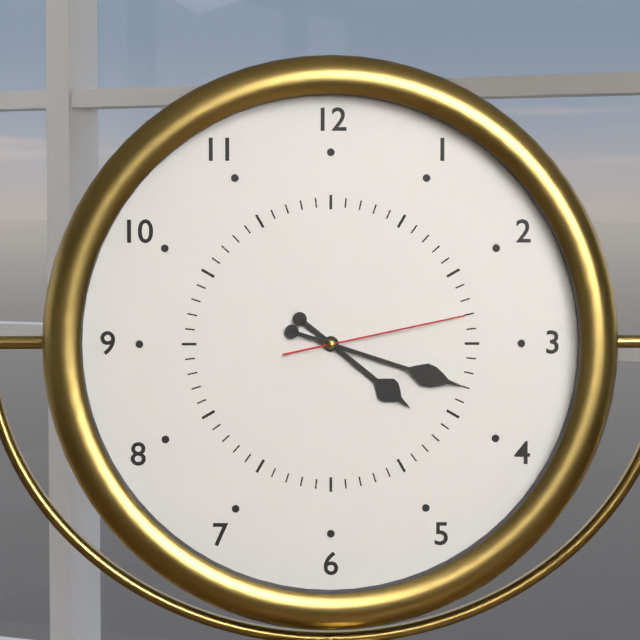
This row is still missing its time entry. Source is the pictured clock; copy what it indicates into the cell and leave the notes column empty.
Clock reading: 4:18:13
